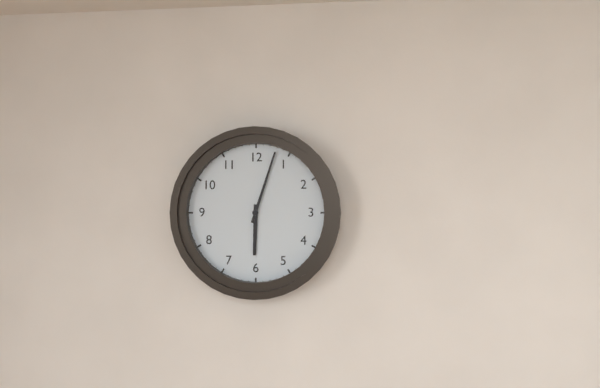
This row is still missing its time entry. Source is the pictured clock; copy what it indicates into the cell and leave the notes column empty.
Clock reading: 6:03
